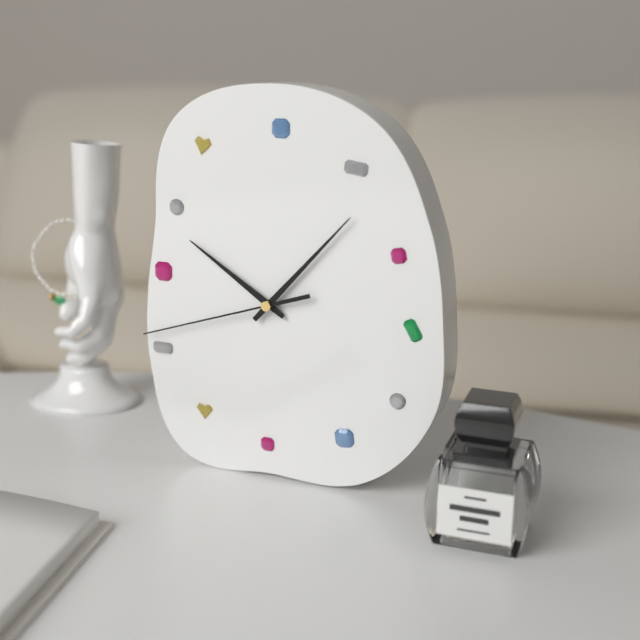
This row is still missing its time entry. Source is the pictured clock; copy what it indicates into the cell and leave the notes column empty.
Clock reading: 10:07:42
